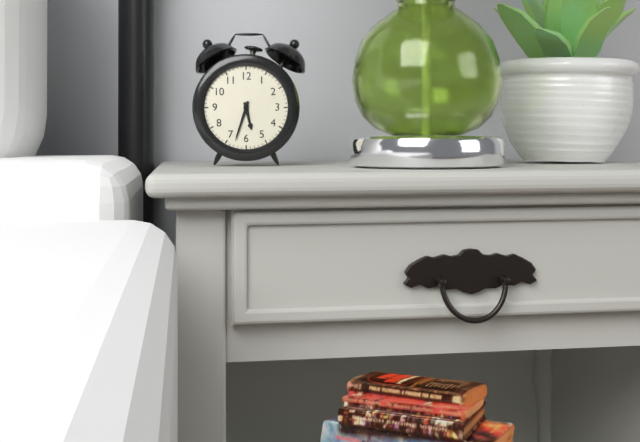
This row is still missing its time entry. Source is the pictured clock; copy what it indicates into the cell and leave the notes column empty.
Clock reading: 5:33
